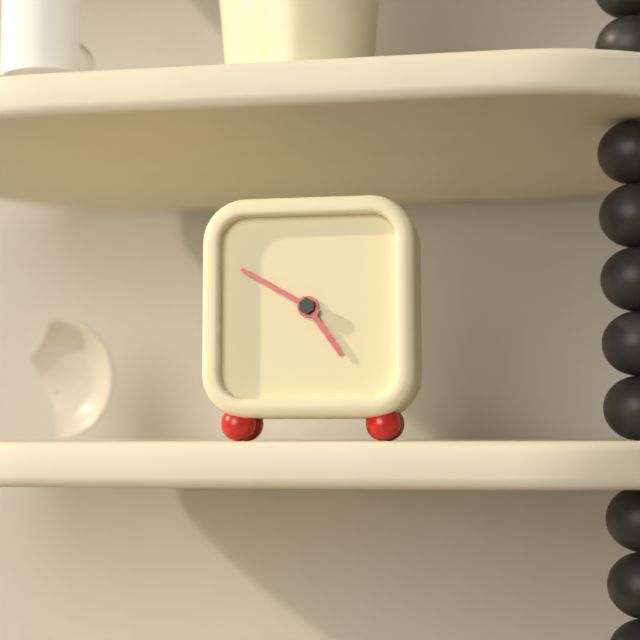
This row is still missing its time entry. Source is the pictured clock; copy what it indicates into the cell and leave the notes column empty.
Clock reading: 4:50
